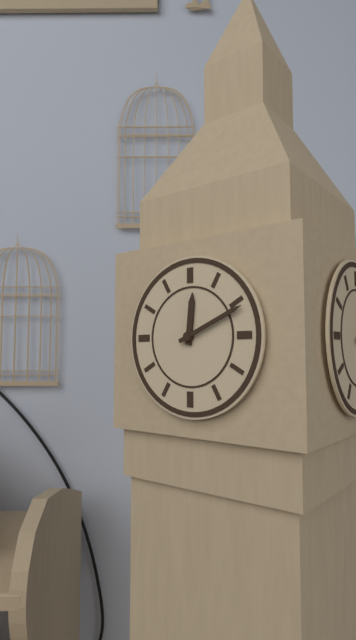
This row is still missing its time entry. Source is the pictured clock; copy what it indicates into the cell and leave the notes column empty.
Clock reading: 12:11
